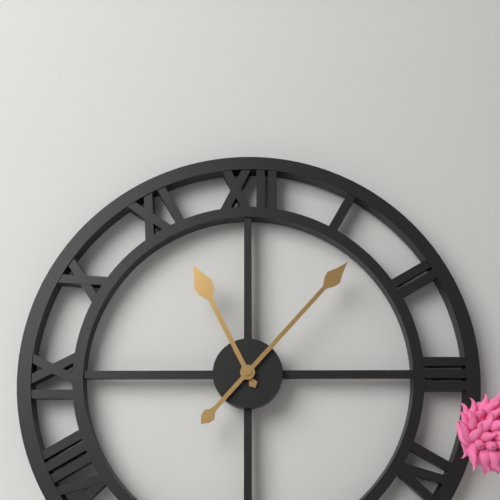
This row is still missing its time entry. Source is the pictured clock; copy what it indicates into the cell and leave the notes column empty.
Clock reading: 11:07
